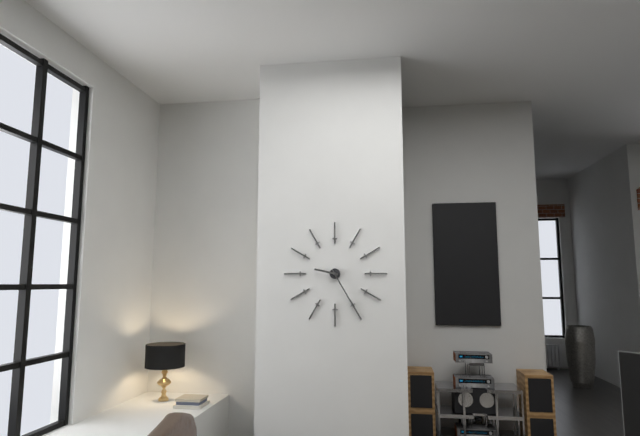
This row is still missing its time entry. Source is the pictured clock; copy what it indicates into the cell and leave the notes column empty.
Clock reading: 9:25
